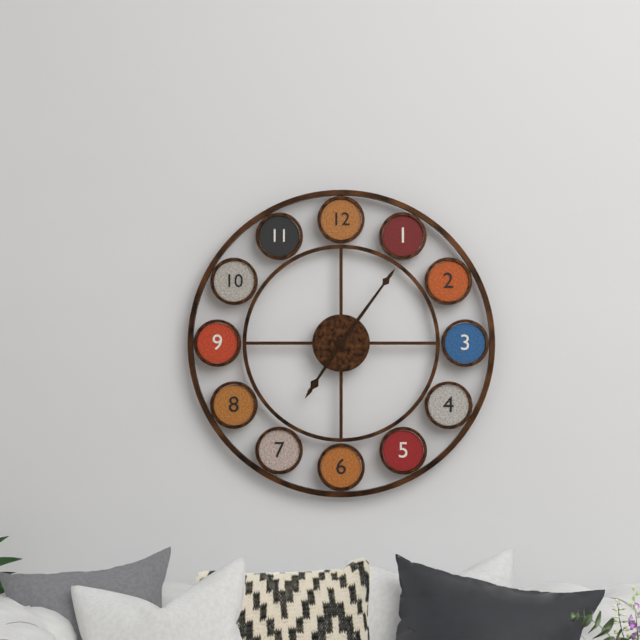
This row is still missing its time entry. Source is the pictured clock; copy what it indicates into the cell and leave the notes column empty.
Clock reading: 7:06
